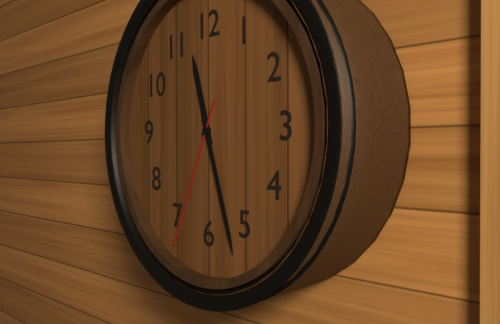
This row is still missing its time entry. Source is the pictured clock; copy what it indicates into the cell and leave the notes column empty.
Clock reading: 11:27:34
